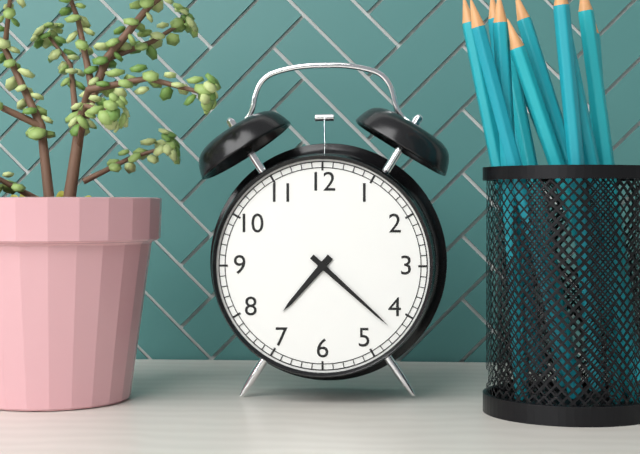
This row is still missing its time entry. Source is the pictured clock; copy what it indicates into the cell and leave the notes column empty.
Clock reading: 7:22
